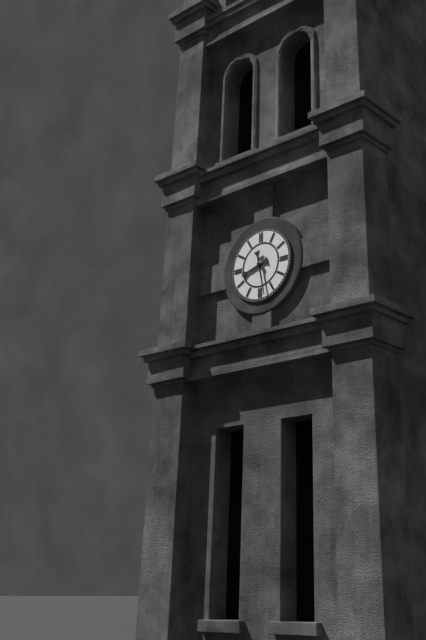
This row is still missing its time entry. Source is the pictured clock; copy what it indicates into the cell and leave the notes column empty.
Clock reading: 8:28
